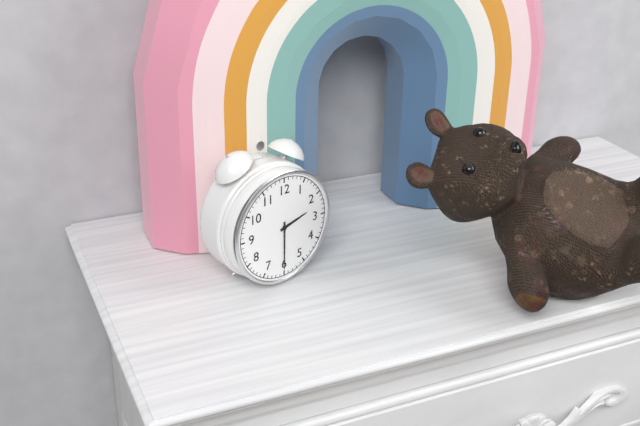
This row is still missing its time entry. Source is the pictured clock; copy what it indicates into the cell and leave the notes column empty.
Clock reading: 2:30
